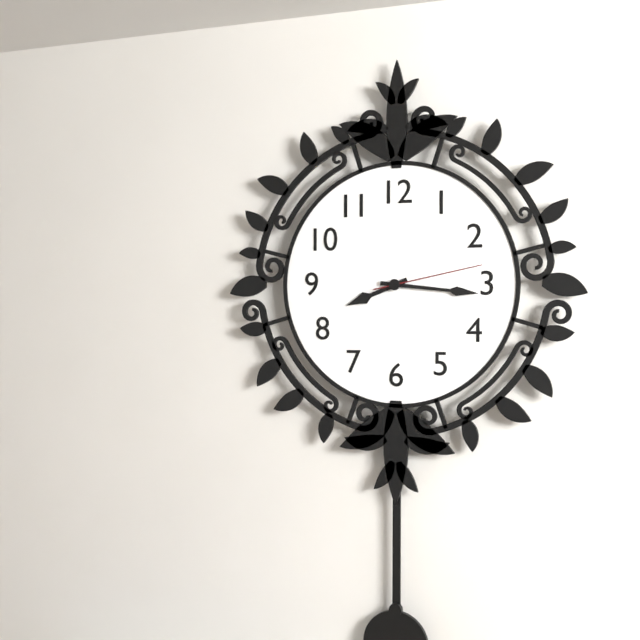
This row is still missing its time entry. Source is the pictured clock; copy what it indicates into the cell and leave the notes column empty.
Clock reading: 8:16:13
